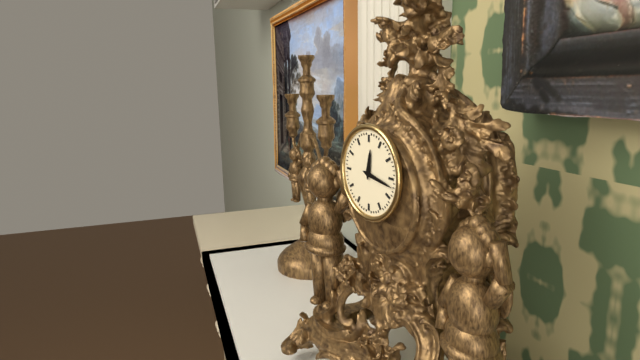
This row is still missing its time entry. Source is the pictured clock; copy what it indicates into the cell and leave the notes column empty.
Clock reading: 12:17
